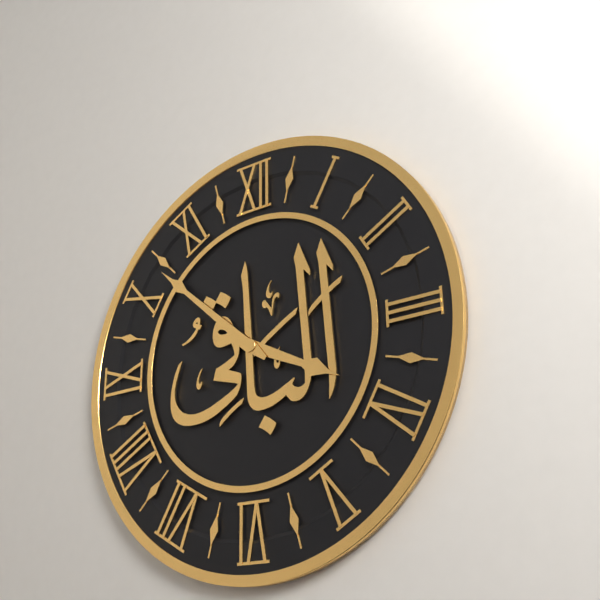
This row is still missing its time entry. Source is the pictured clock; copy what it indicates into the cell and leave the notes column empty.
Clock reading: 3:52
